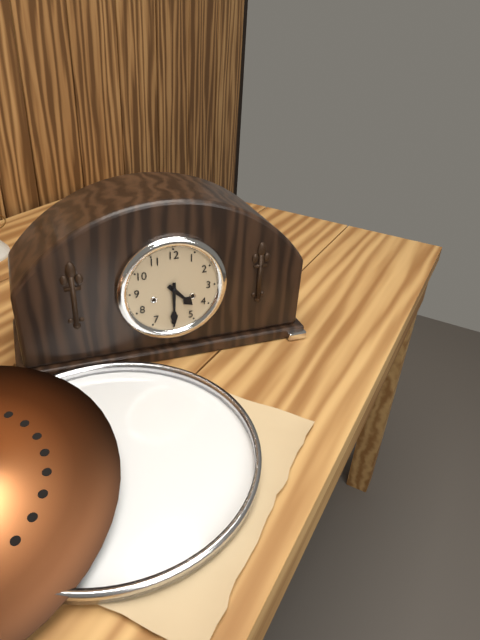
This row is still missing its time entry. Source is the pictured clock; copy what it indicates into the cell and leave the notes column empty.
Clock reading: 4:30
